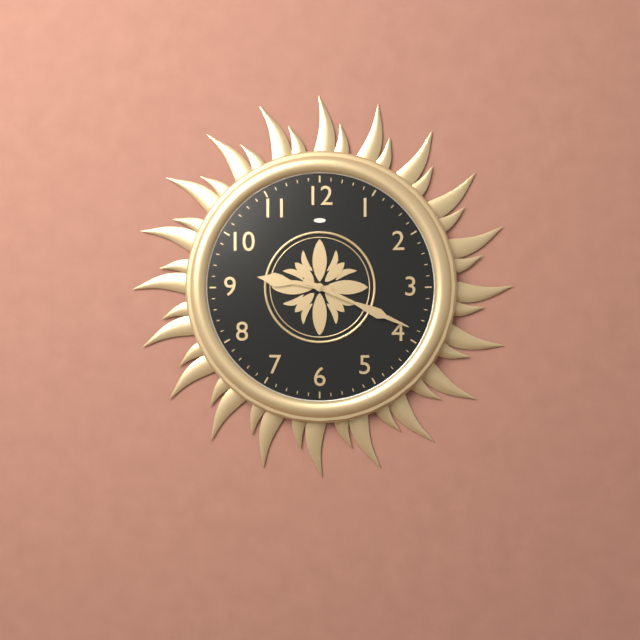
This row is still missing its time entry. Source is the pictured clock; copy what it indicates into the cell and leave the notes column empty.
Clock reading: 9:19
